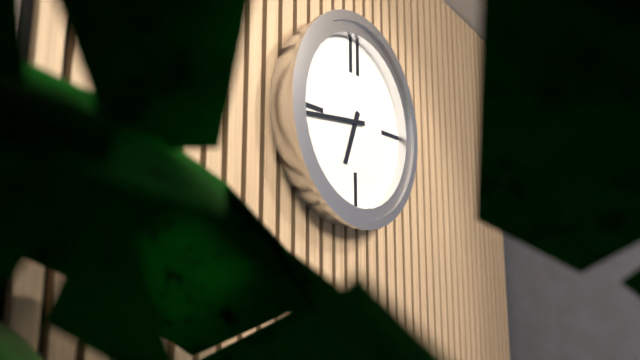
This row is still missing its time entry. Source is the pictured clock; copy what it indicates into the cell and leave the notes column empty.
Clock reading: 6:44
